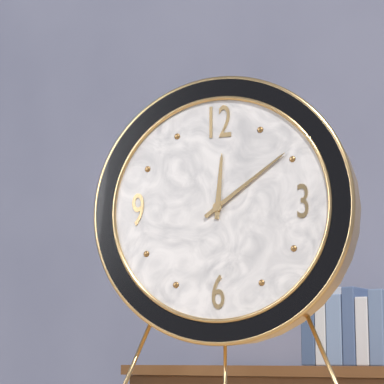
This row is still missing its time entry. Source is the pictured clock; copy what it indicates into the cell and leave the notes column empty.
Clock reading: 12:09
